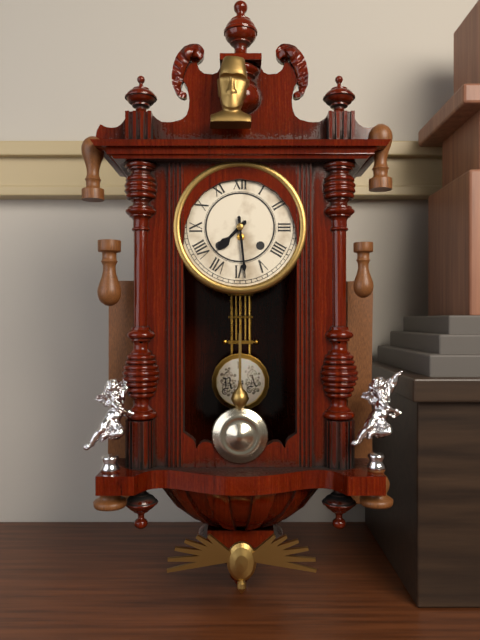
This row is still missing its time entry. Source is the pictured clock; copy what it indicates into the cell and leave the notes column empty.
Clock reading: 7:29
